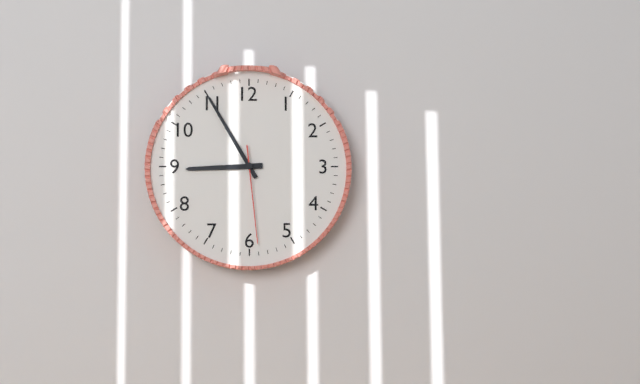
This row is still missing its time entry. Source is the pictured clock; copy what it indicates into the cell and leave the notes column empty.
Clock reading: 8:55:29
